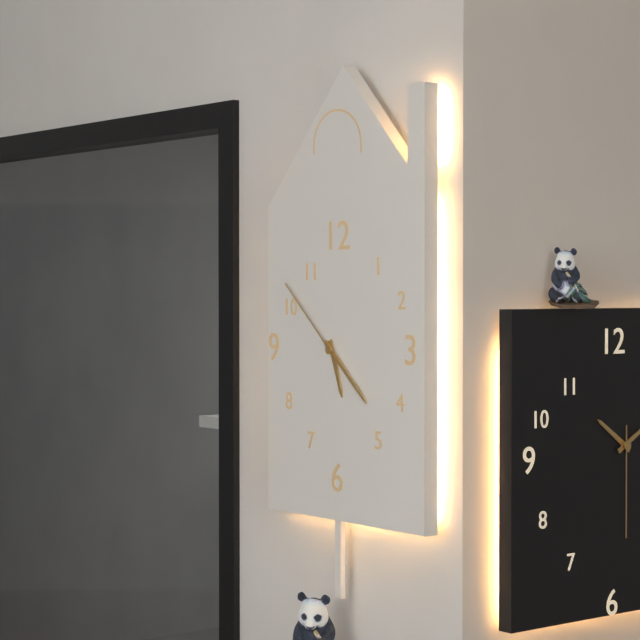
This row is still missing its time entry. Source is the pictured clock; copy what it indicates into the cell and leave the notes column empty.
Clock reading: 5:22:52
